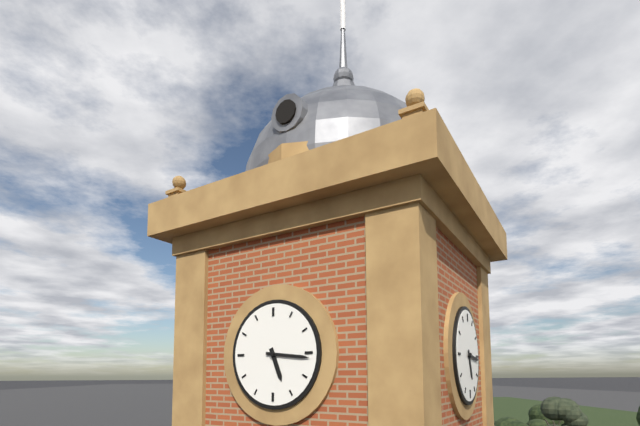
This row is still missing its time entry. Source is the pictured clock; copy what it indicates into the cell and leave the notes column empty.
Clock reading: 5:16
